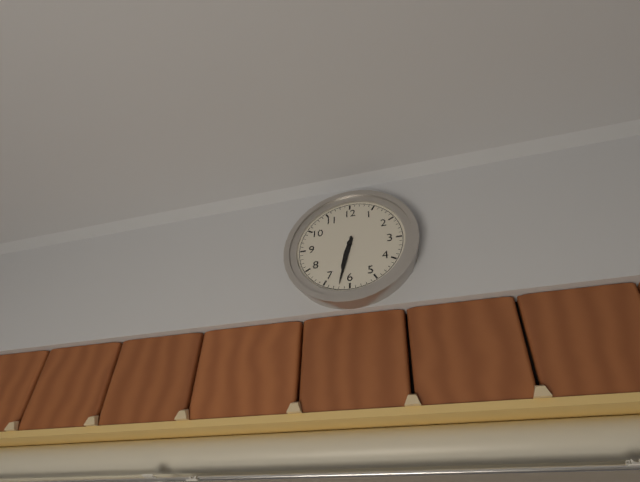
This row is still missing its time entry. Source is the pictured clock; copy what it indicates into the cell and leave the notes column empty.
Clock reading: 6:32
